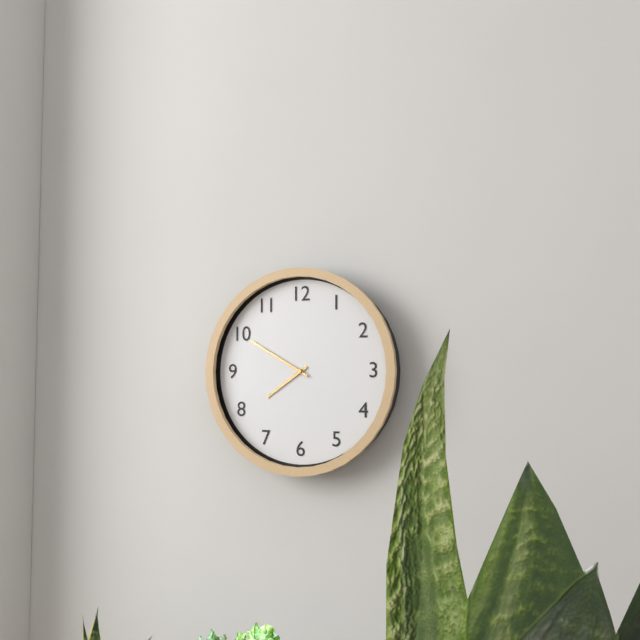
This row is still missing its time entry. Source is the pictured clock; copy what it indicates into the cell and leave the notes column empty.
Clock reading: 7:50
